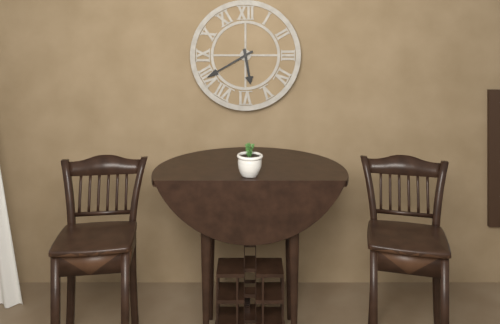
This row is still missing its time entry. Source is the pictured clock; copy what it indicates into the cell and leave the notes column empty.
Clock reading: 5:40
